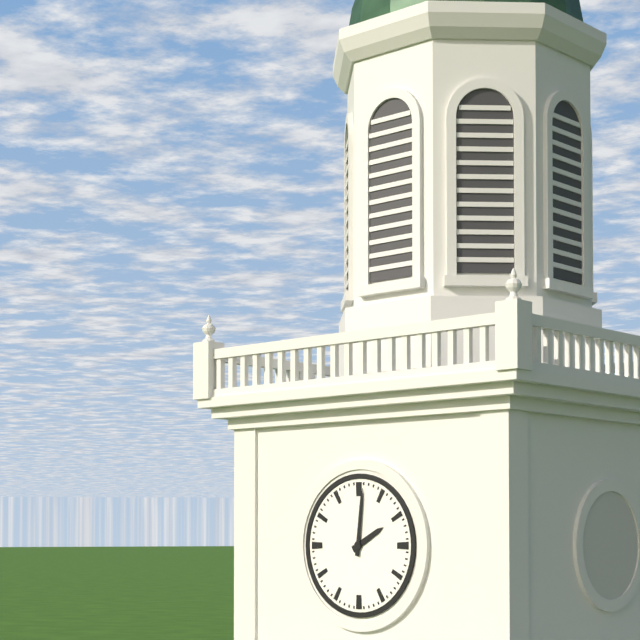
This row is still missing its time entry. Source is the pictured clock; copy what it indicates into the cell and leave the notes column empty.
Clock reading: 2:01
